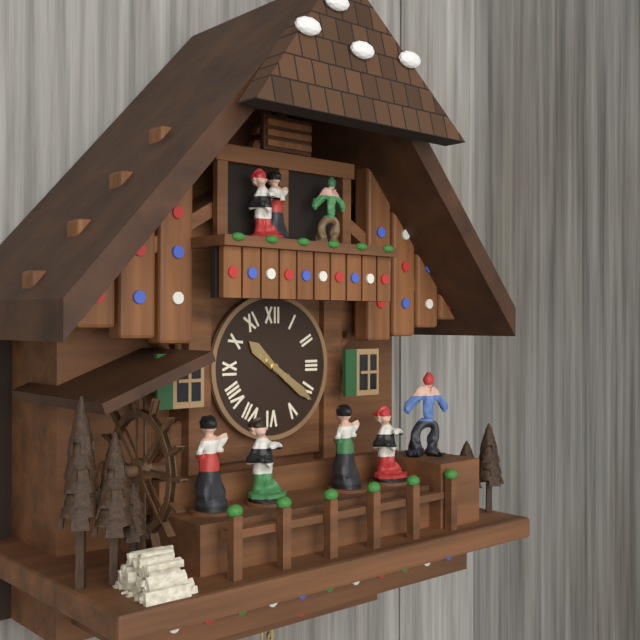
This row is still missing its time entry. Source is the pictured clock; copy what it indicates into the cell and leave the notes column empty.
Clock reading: 10:21
